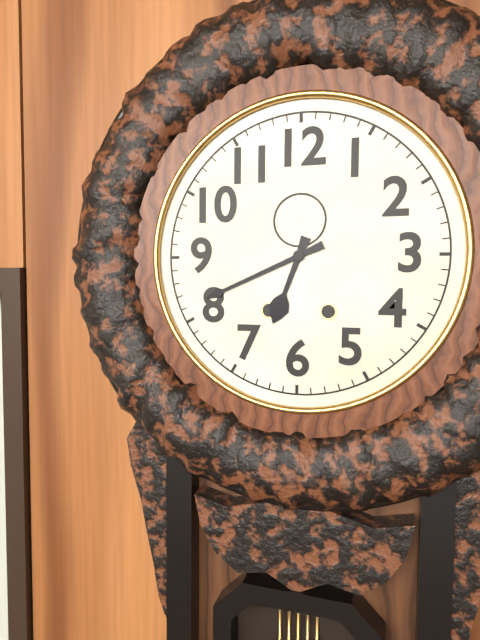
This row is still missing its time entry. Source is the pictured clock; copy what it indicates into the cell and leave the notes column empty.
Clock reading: 6:41
